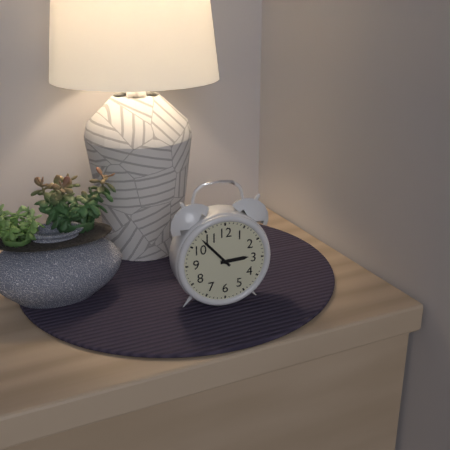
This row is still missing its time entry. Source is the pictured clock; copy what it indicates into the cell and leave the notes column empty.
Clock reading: 2:53
